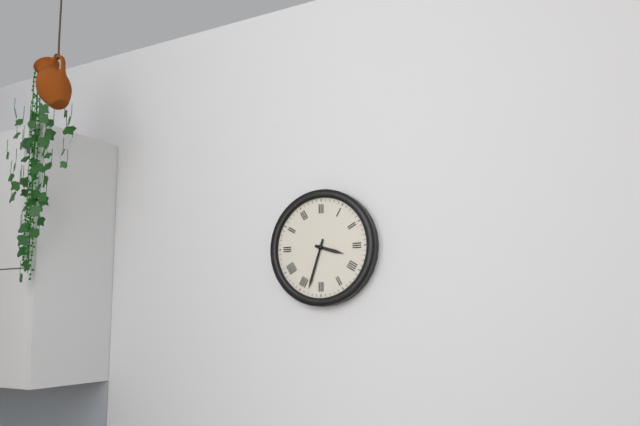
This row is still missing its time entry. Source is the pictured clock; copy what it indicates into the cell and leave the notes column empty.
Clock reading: 3:33
